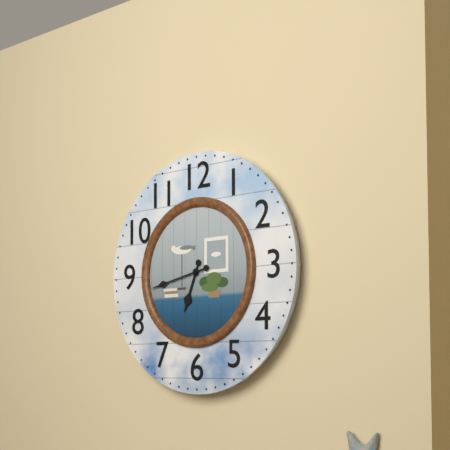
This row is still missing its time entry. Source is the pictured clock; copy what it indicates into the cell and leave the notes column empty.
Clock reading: 6:43
